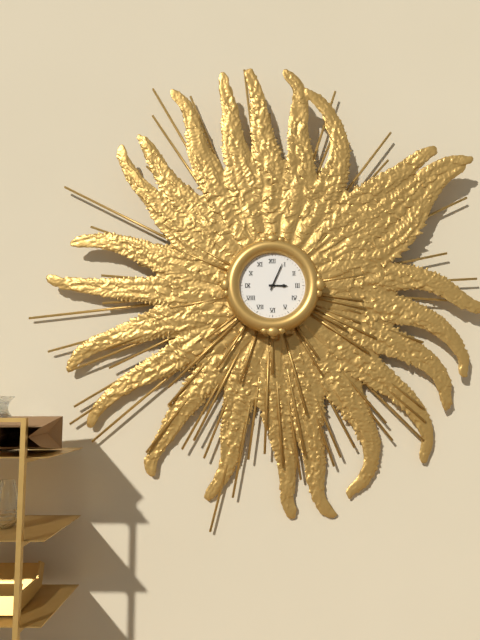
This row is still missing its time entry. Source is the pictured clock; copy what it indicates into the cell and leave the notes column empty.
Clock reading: 3:04
